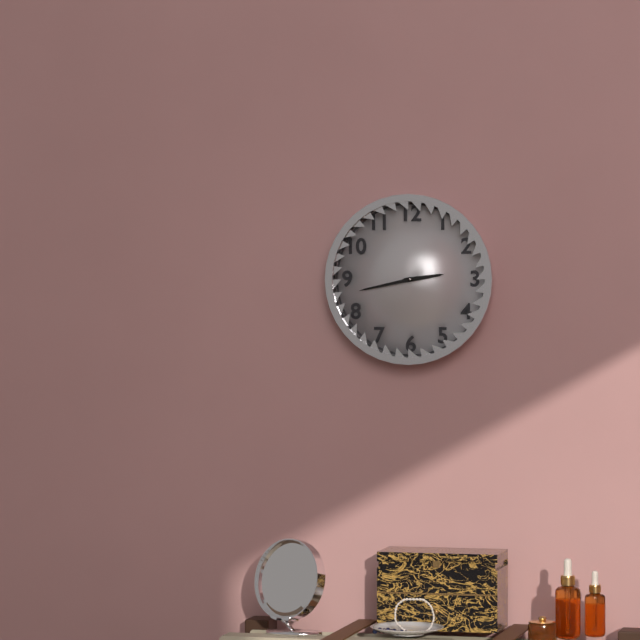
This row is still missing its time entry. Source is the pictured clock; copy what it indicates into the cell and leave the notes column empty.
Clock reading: 2:43
